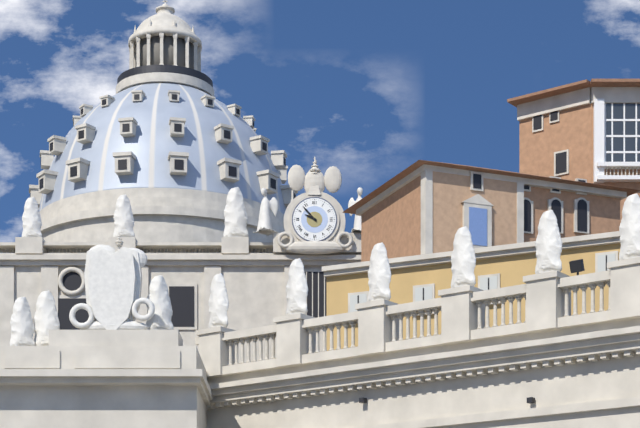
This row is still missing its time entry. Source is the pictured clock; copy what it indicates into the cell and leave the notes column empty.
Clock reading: 9:53
